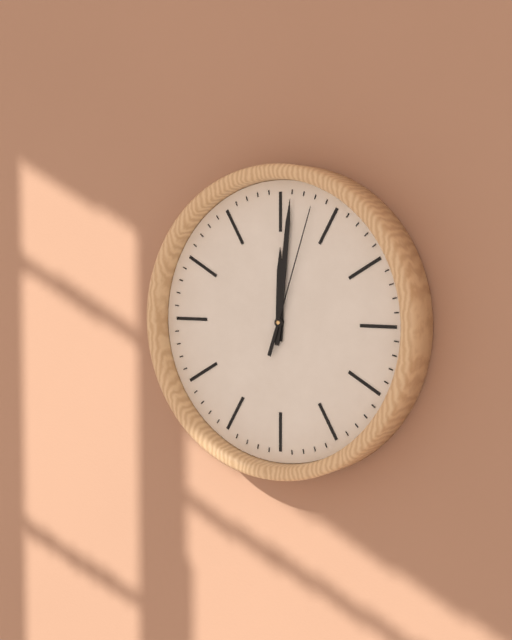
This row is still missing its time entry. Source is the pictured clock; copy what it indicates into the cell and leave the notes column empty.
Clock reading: 12:01:03
